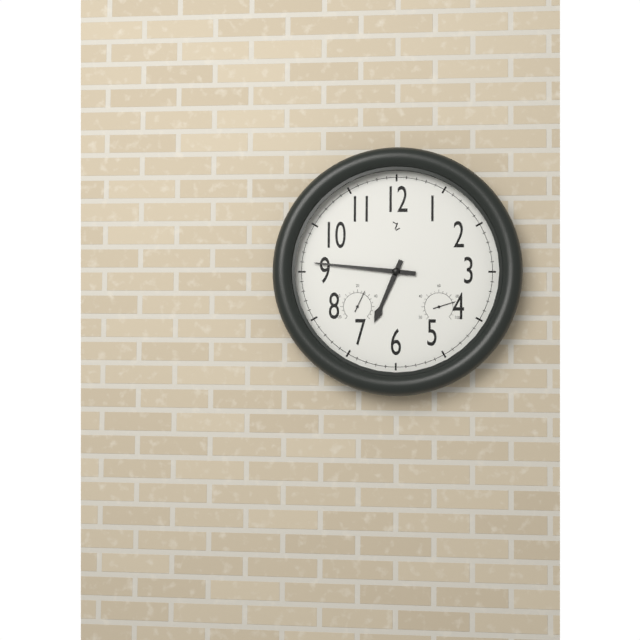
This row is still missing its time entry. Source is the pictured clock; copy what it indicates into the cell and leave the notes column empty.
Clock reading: 6:46
